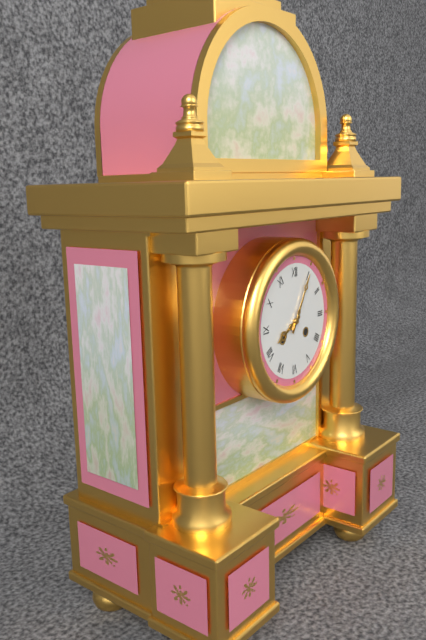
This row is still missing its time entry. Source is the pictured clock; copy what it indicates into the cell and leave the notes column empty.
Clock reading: 8:05
